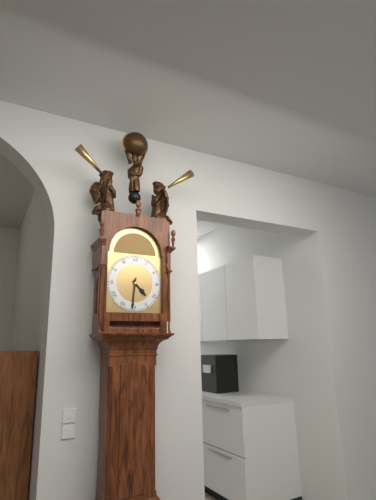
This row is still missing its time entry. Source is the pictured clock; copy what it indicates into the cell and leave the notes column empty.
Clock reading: 4:31
